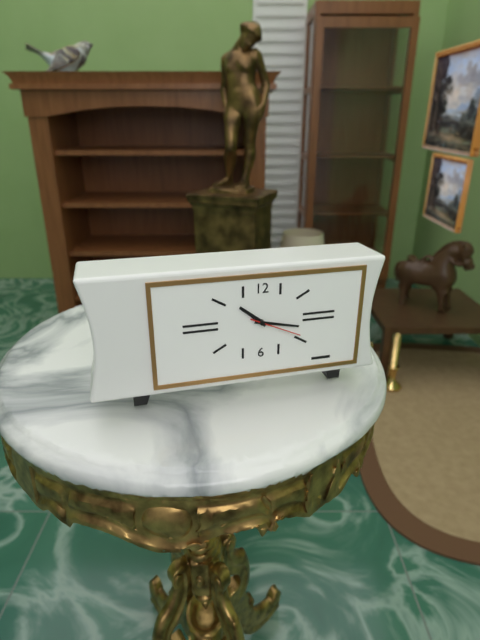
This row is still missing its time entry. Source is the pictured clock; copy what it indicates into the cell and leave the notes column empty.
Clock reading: 10:17:19
